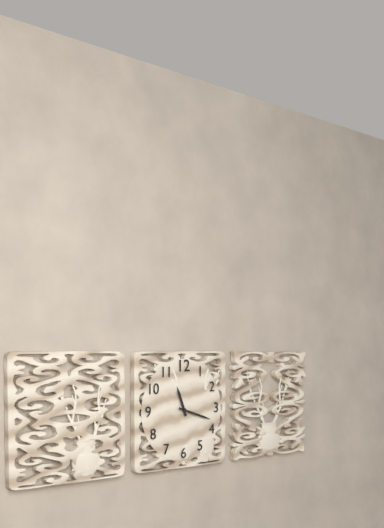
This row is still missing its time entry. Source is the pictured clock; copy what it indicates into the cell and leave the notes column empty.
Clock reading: 11:18
